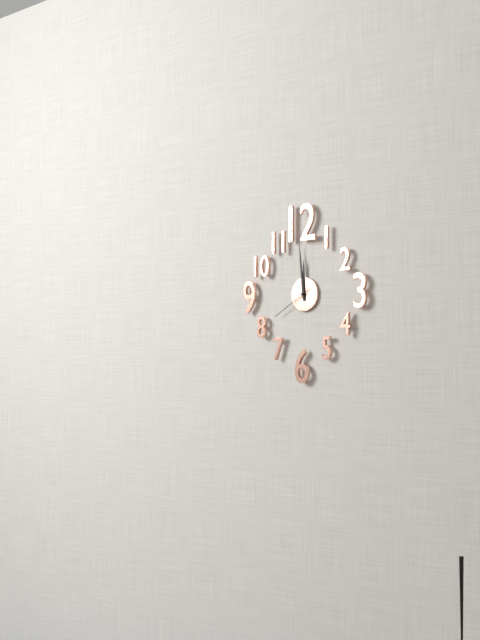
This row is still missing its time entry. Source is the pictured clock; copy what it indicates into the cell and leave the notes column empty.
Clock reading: 11:59
